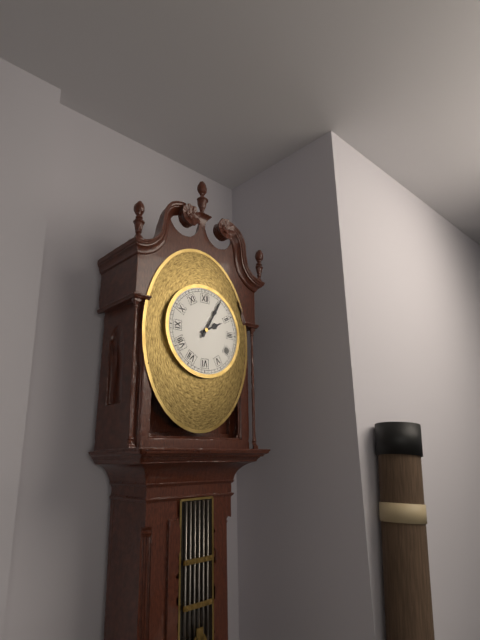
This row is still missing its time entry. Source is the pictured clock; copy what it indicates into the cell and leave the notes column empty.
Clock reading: 2:05
